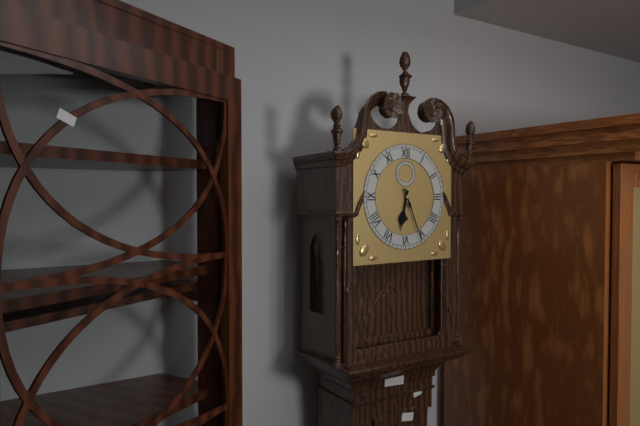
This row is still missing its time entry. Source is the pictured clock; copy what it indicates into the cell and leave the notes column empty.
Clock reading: 6:26
